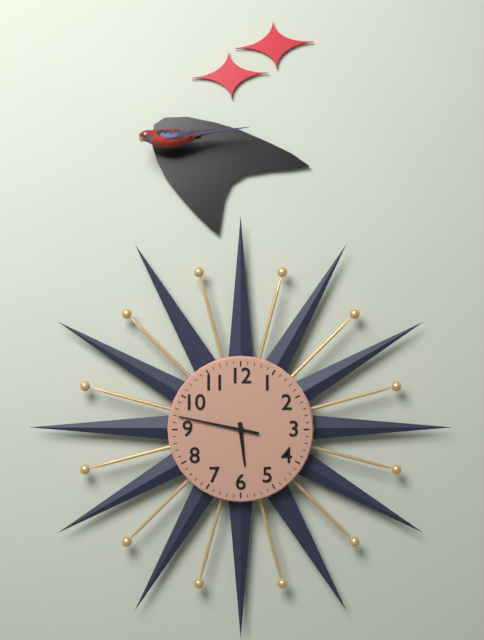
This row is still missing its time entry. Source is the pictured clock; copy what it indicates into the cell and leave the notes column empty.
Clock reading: 5:47
